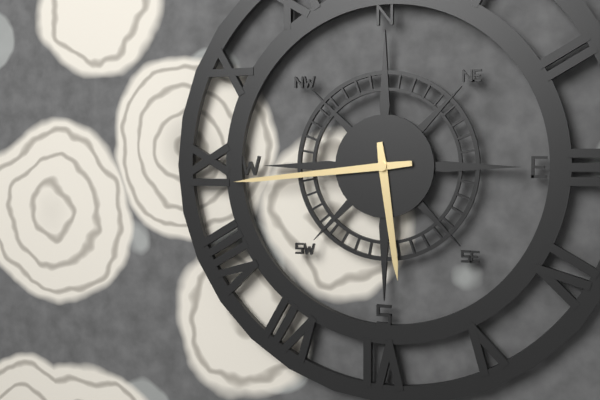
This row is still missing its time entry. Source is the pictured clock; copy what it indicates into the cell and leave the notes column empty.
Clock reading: 5:44
